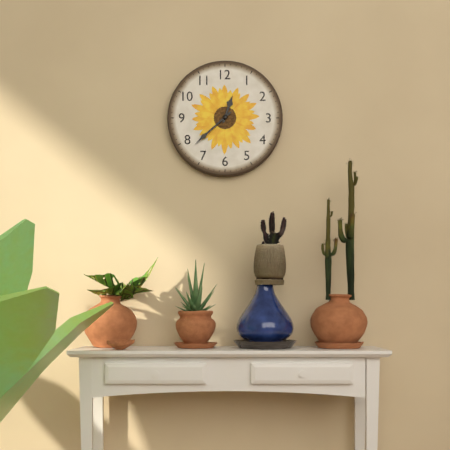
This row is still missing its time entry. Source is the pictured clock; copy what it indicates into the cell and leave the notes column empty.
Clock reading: 12:38
